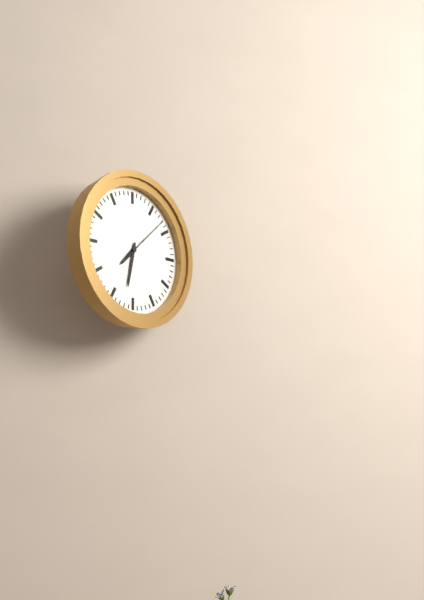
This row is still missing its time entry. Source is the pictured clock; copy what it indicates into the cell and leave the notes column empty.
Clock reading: 7:32:08
